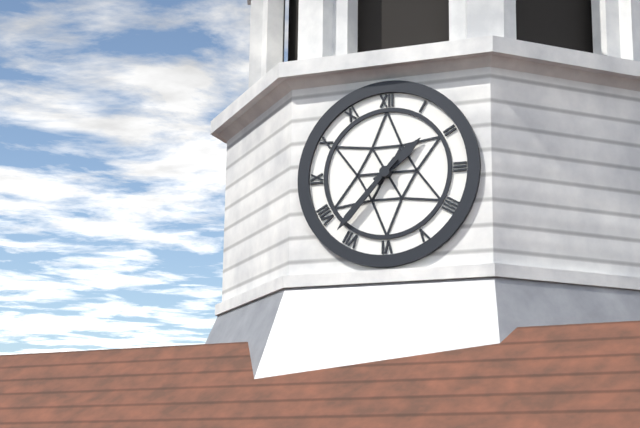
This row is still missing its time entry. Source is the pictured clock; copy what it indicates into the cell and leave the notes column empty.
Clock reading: 1:37
